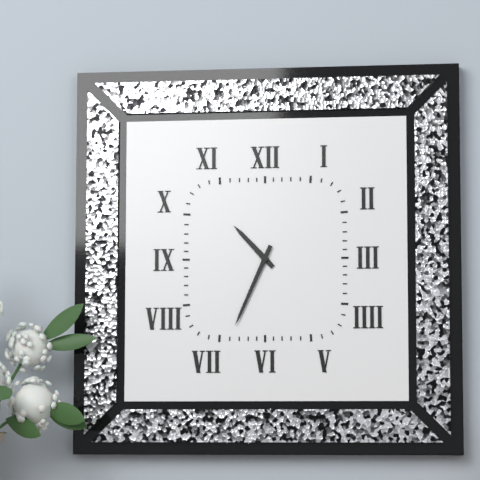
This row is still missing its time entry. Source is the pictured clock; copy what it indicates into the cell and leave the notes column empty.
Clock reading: 10:34
